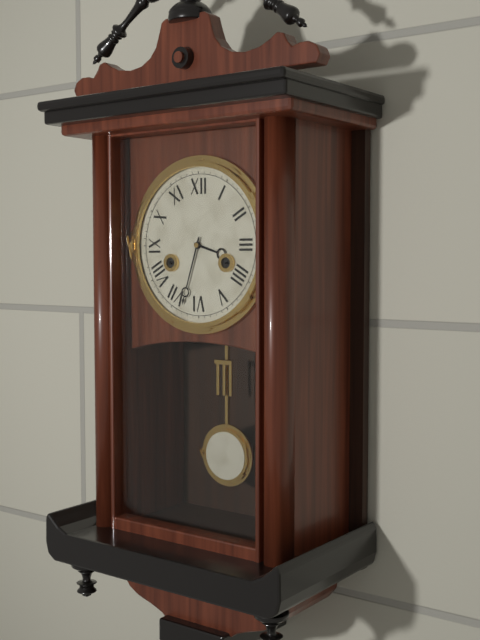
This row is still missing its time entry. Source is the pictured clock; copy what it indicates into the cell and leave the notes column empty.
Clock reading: 3:33
